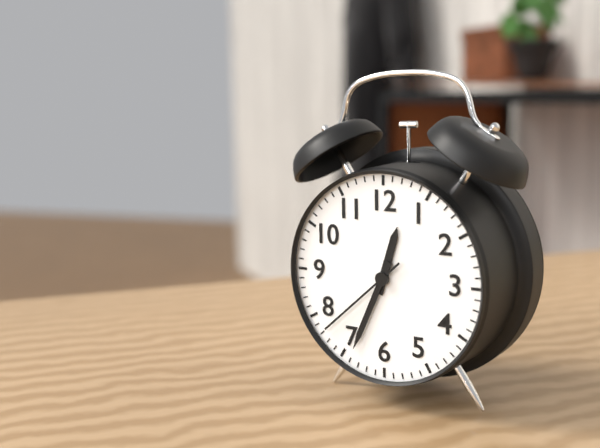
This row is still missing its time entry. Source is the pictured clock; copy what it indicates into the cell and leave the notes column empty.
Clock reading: 12:34:38
